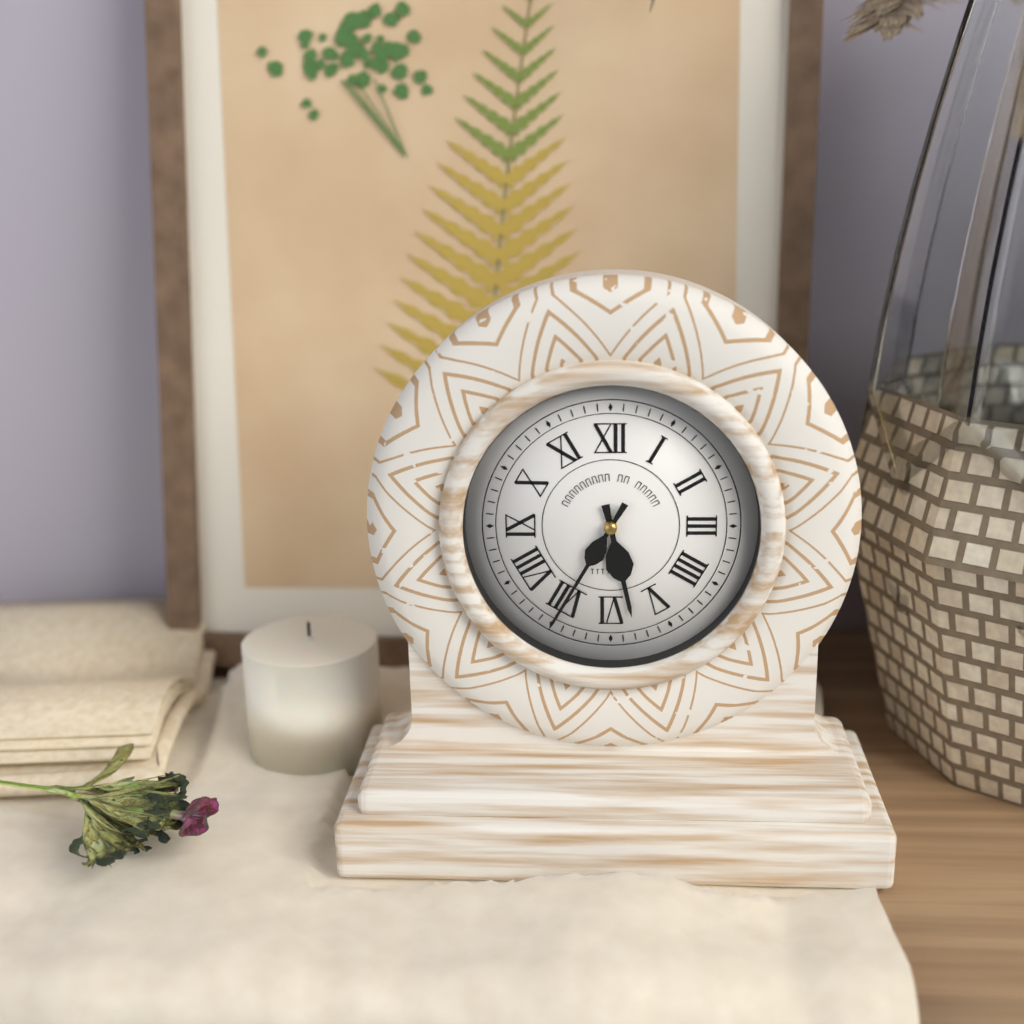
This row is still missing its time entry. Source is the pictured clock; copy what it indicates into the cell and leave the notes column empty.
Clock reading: 5:35
